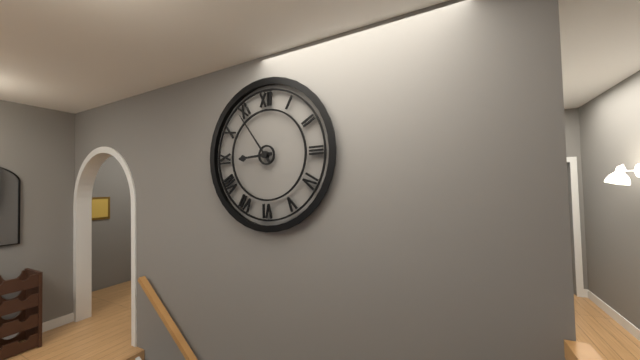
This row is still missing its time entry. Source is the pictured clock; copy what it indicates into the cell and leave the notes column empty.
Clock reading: 8:54
